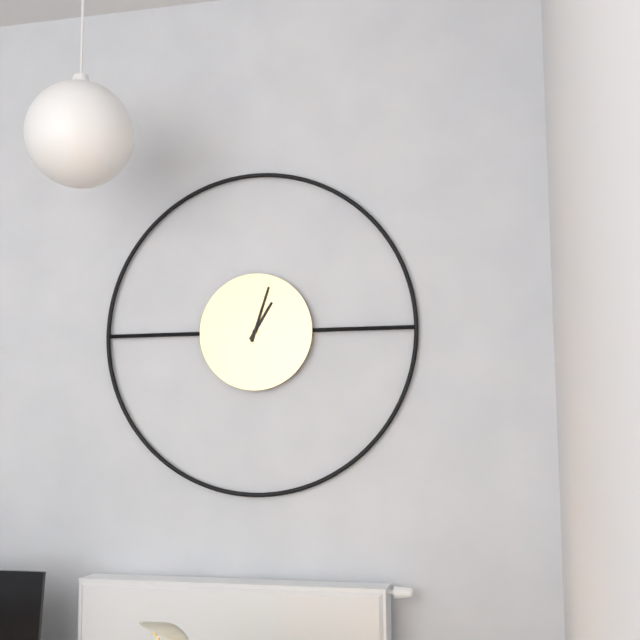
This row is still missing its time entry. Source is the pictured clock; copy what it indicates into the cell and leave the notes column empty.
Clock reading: 1:03
